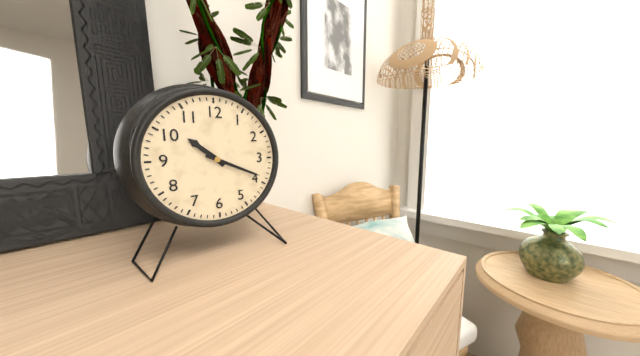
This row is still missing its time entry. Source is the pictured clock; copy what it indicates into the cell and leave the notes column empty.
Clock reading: 10:19
